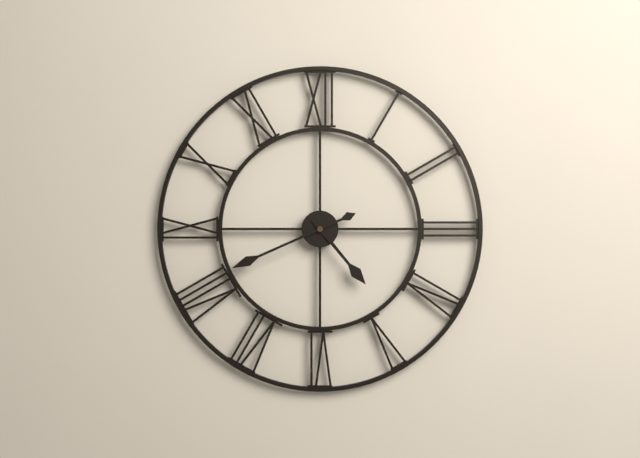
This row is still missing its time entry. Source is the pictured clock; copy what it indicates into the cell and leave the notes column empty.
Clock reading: 4:41
